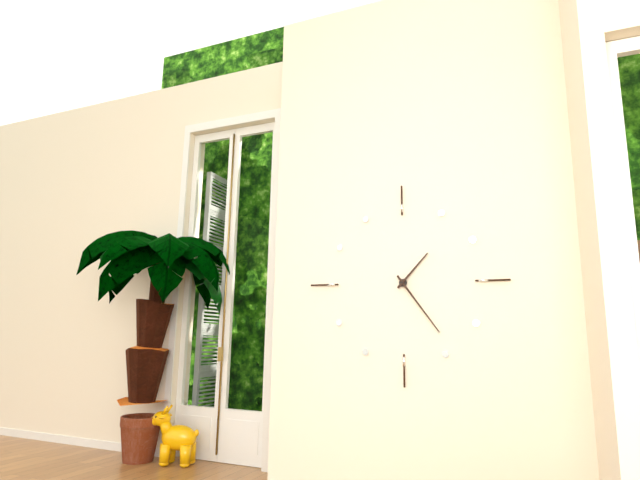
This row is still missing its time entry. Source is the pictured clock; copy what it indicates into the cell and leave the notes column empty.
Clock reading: 1:24
